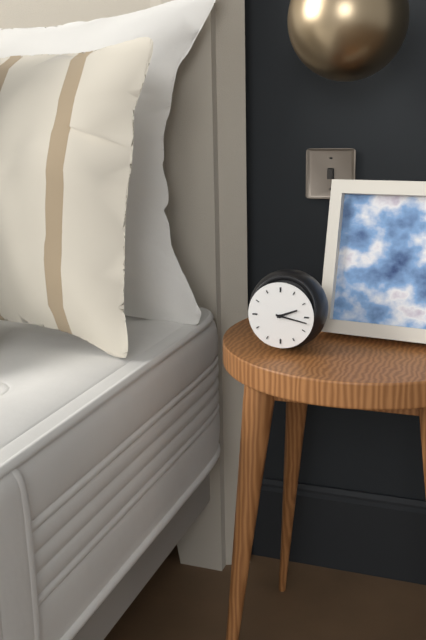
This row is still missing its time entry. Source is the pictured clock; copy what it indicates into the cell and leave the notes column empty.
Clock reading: 2:17
